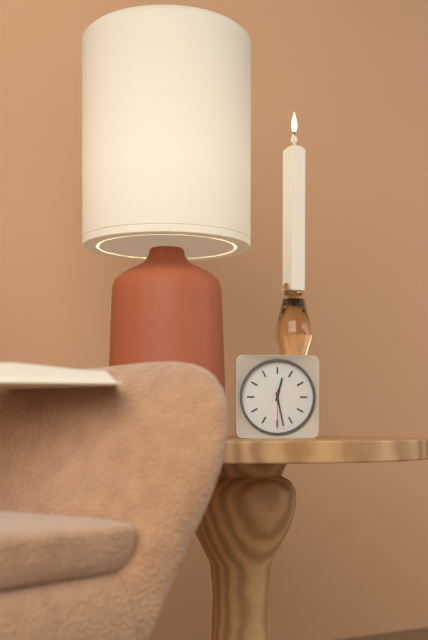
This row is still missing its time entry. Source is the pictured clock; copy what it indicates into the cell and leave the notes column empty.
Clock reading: 12:28
